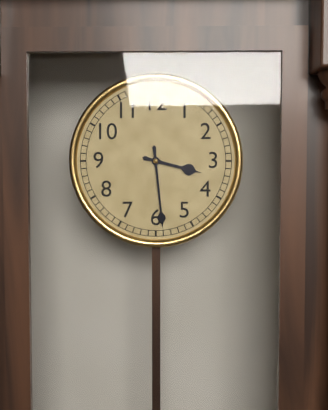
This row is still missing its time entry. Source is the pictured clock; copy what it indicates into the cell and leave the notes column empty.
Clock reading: 3:29
